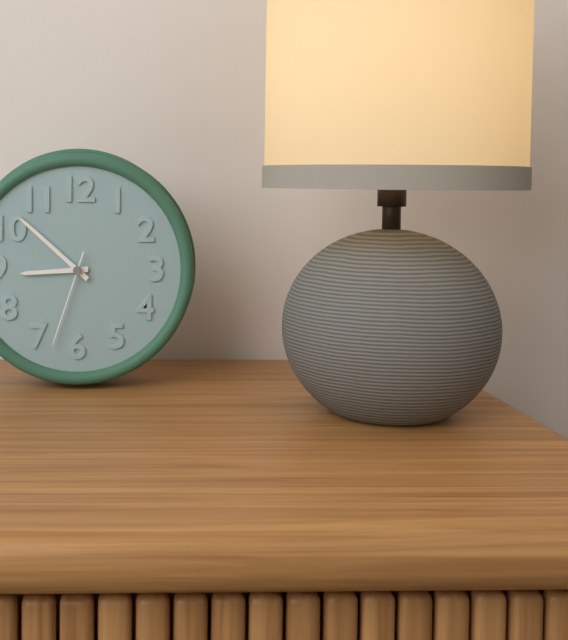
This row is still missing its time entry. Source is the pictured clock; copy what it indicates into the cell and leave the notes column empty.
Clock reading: 8:52:33
